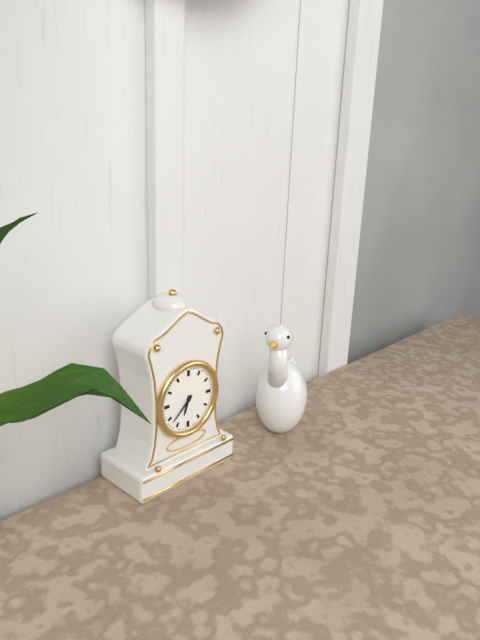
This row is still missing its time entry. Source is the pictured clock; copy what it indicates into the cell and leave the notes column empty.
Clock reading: 6:38
